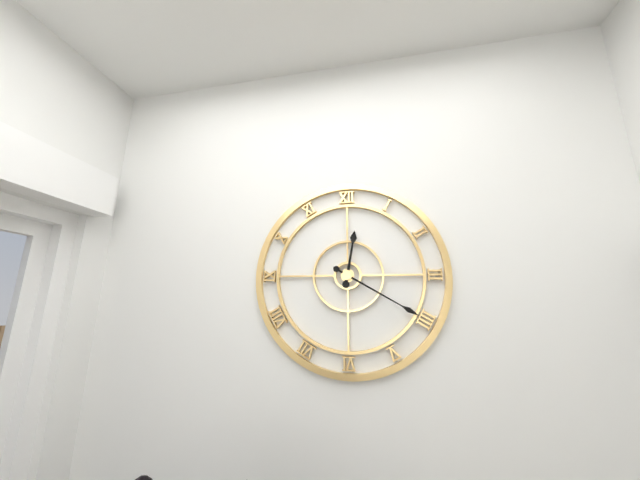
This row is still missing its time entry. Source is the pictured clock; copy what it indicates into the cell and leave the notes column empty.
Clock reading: 12:20
